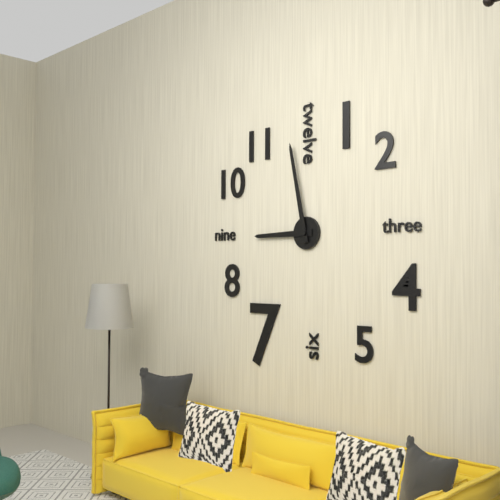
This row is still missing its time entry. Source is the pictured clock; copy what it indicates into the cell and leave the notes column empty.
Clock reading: 8:58
